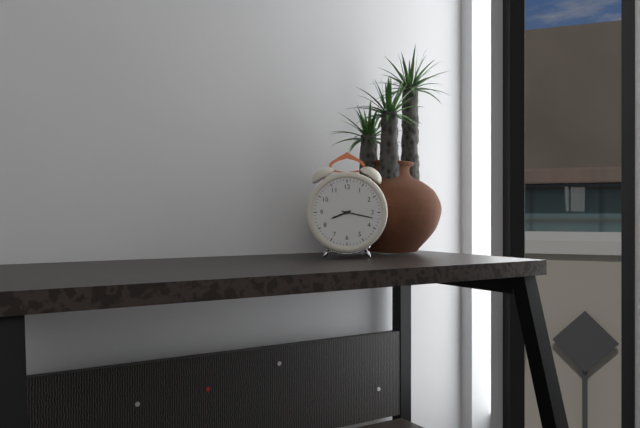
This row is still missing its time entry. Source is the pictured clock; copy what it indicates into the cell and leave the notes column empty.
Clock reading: 8:17
